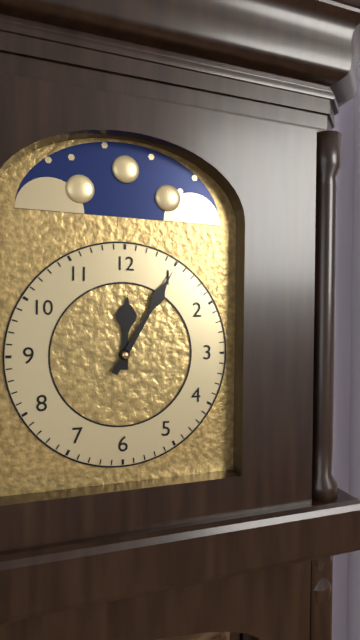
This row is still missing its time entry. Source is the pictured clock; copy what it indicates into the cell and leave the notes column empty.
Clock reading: 12:05
